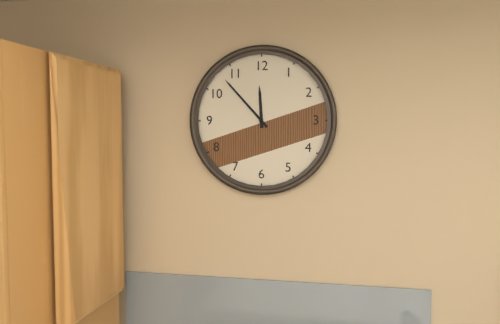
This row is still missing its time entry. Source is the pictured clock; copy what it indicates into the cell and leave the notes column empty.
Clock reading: 11:53
